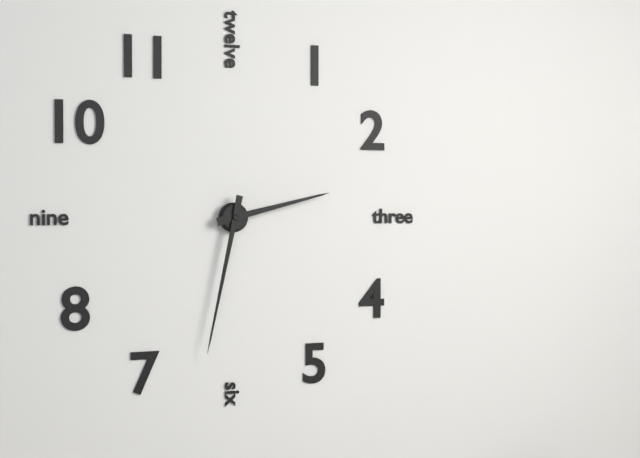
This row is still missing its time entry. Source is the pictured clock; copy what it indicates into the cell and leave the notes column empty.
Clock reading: 2:32
